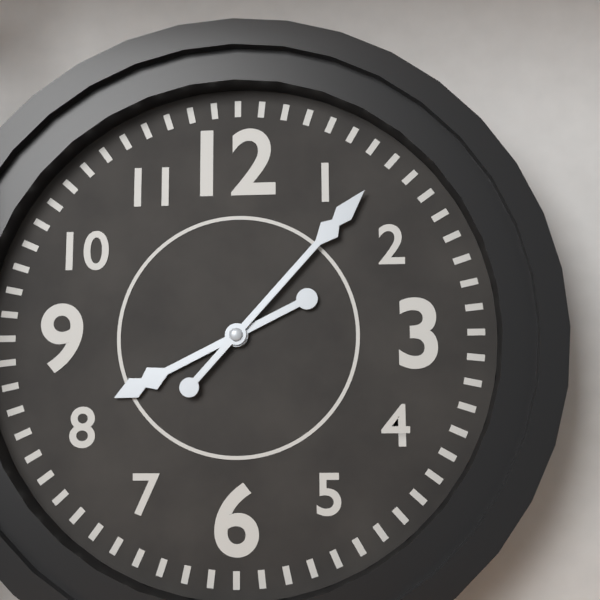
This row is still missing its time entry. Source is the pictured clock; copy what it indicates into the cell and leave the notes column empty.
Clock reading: 8:07
